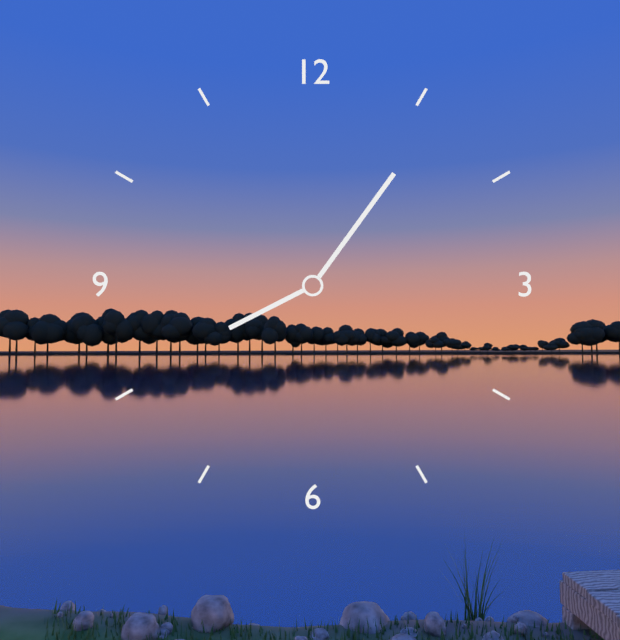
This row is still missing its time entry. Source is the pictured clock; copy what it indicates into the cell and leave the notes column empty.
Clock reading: 8:06
